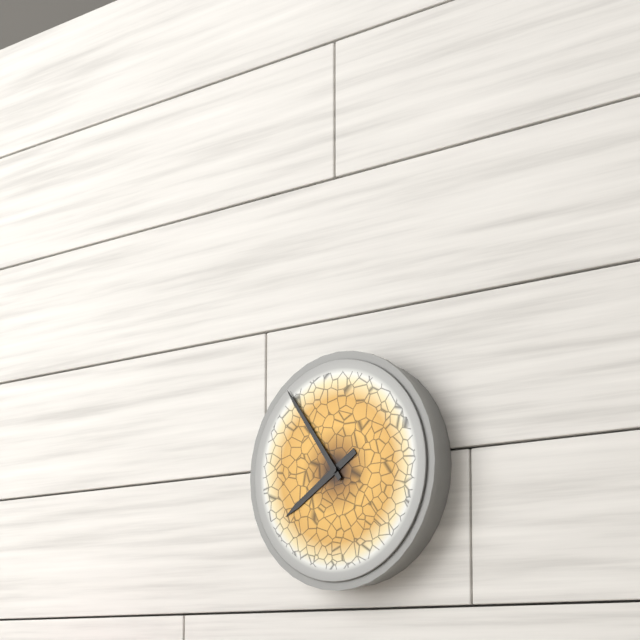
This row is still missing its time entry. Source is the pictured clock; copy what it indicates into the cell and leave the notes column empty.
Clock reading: 7:54
